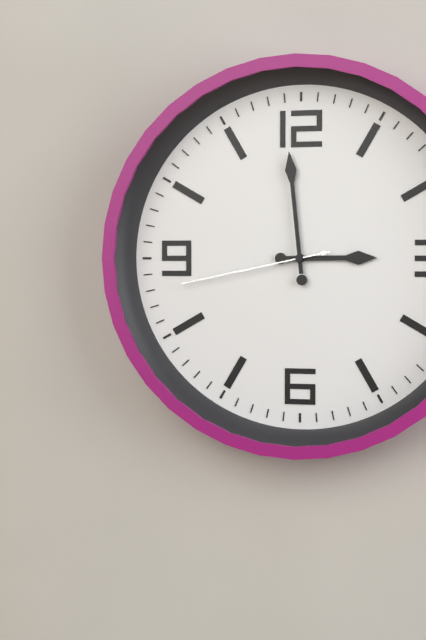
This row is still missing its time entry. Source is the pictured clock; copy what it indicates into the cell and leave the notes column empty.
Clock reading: 2:59:43
